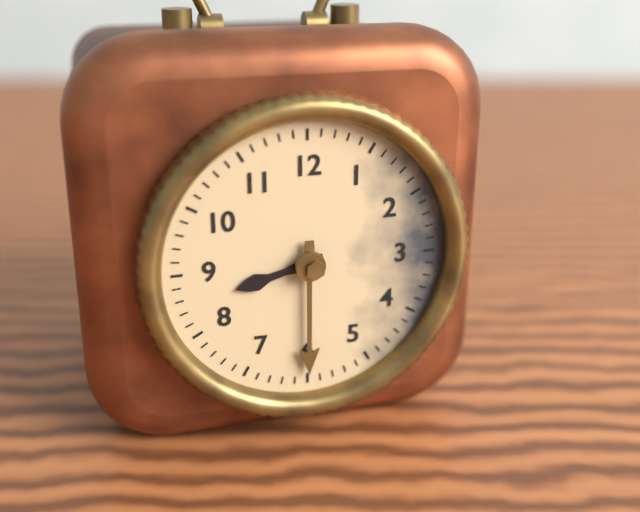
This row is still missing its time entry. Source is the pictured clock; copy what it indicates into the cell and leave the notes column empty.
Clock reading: 8:30
